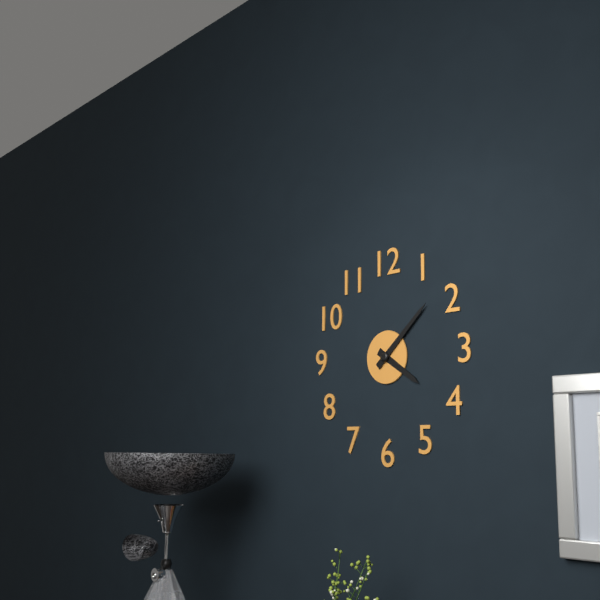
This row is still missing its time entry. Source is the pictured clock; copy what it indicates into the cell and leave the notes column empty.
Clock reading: 4:08
